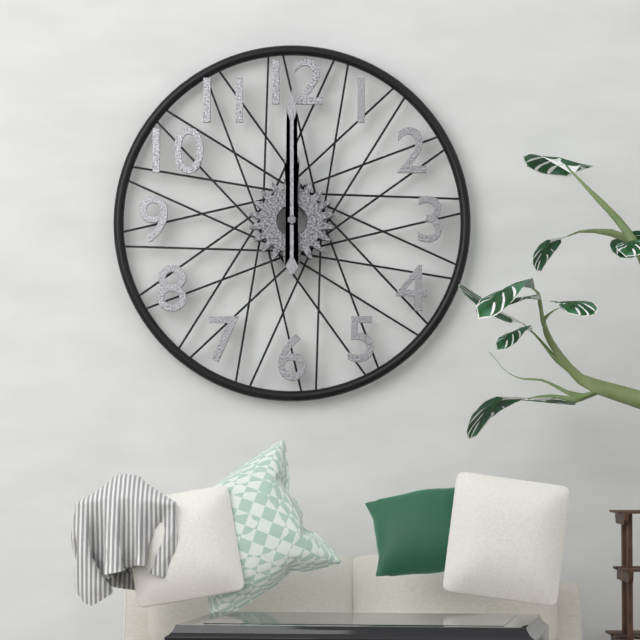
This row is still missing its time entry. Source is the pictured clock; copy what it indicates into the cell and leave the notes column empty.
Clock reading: 12:00
